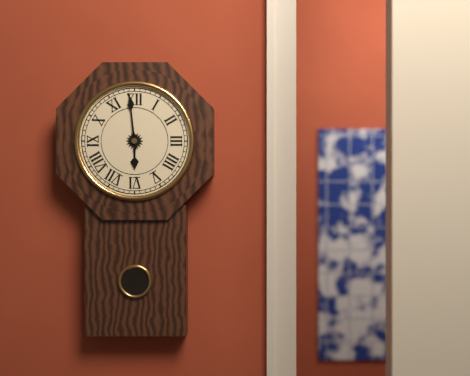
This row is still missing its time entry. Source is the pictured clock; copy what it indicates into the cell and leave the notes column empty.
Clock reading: 5:59
